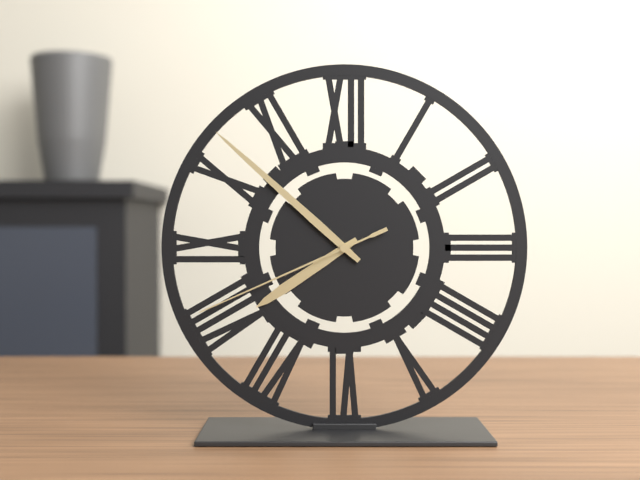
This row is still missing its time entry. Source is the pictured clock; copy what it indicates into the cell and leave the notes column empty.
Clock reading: 7:52:41
